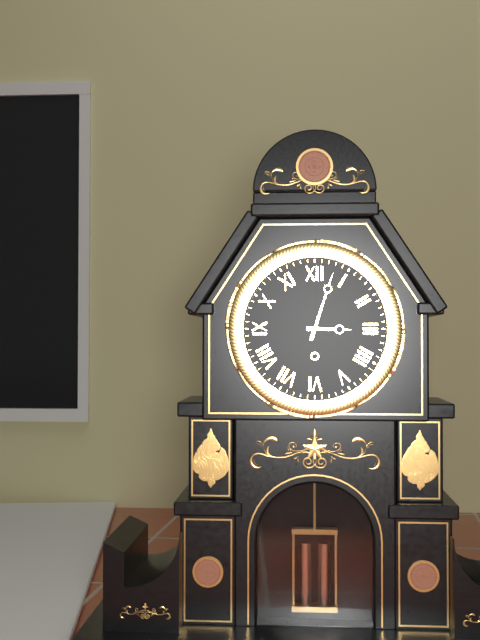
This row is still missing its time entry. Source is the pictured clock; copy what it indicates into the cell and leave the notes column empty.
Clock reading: 3:03
